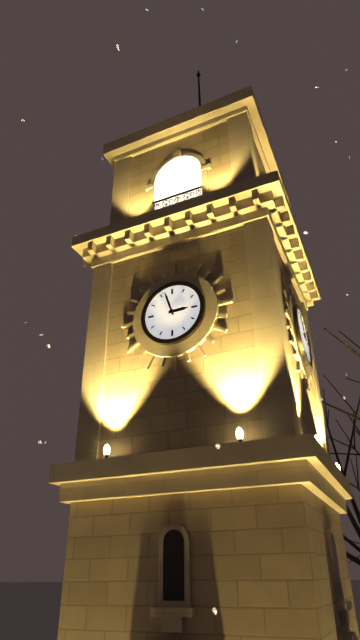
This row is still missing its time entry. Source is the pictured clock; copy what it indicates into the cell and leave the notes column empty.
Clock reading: 2:57
